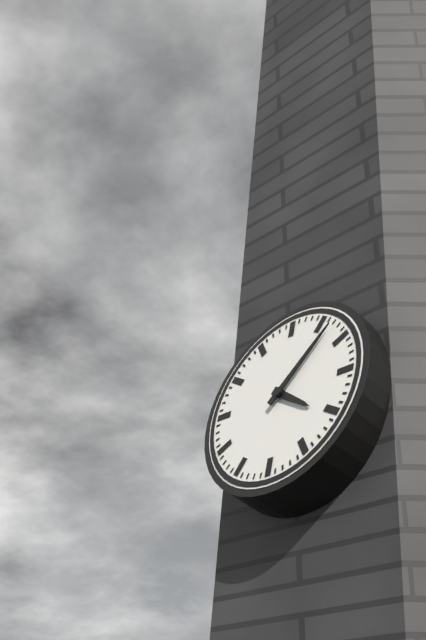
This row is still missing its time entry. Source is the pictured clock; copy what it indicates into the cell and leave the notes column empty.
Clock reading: 4:07
